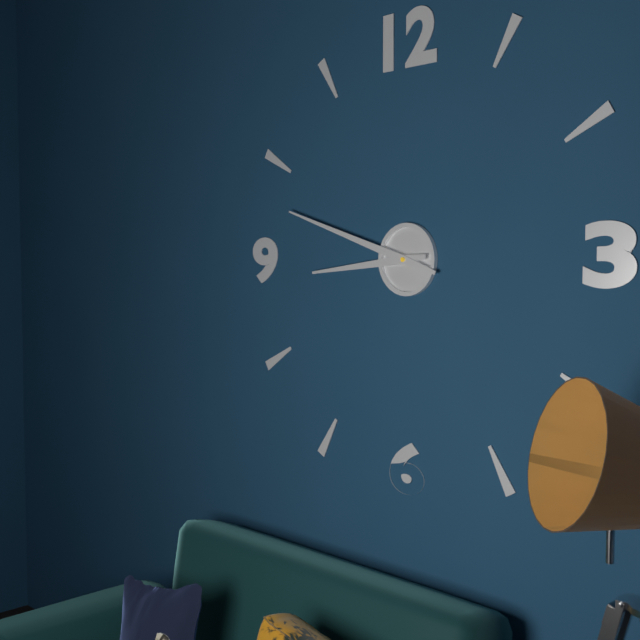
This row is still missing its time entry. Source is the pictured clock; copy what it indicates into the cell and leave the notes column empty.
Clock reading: 8:48
